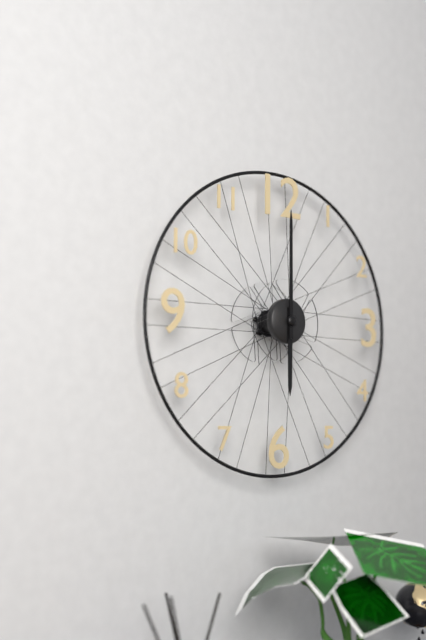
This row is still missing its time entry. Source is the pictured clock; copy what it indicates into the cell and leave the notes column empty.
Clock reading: 6:00
